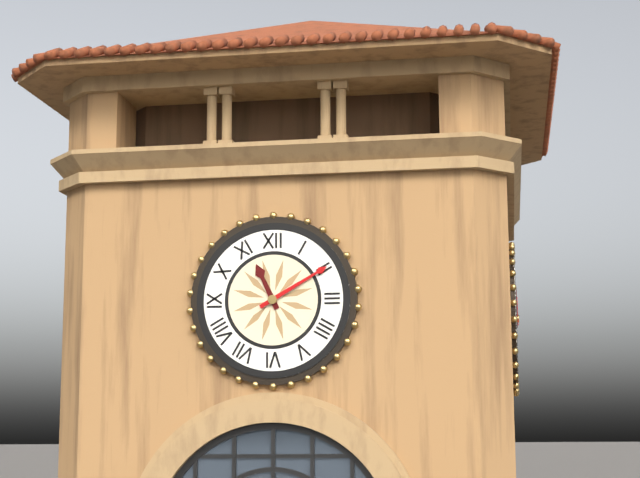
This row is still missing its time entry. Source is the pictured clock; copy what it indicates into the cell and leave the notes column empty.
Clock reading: 11:10
